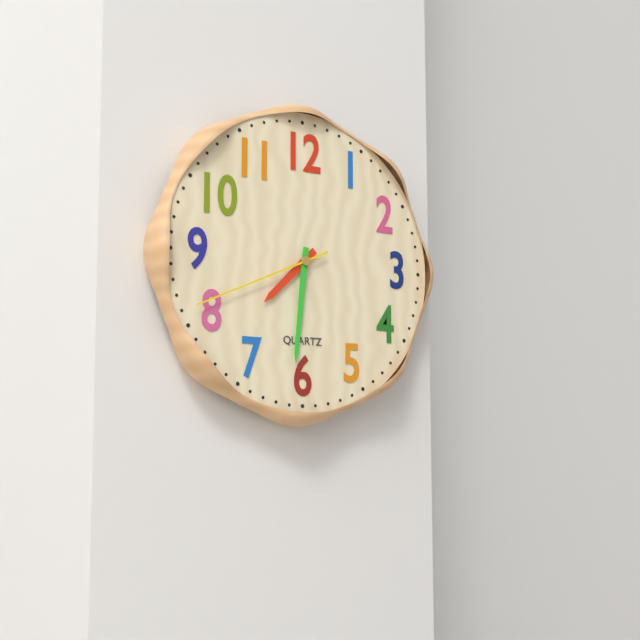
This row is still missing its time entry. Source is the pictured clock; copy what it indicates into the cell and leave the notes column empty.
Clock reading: 7:31:41
